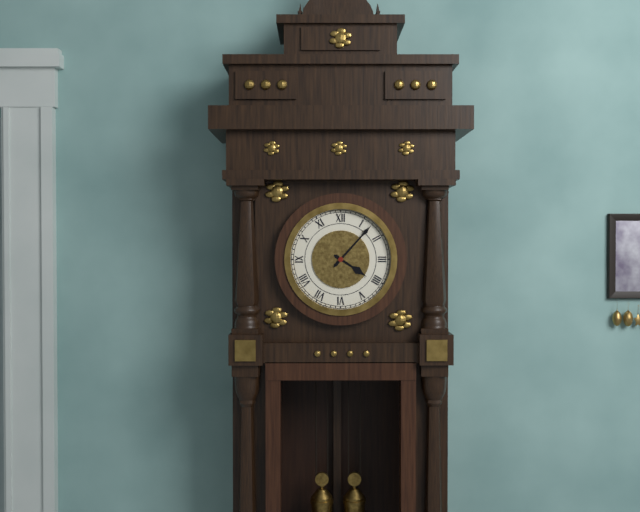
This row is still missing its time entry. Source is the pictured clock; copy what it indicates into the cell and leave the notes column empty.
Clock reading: 4:07
